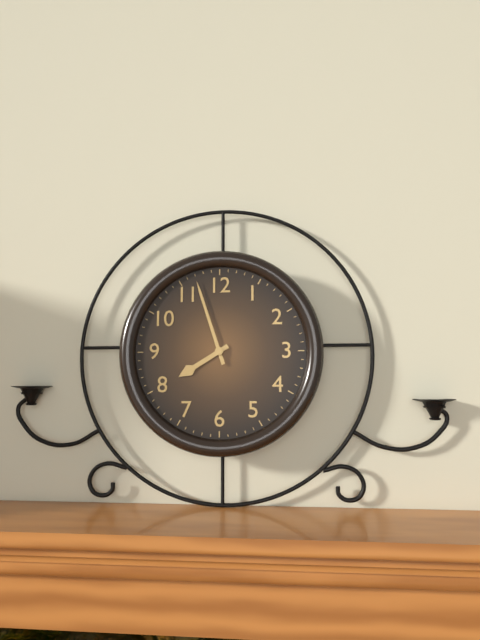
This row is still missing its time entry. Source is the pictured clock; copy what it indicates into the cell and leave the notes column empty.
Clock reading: 7:57
